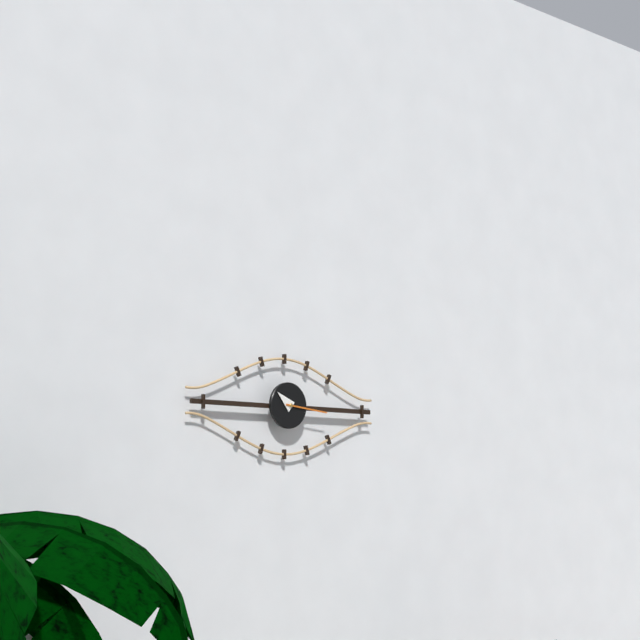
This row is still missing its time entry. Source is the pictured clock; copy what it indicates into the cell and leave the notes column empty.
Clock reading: 10:16
